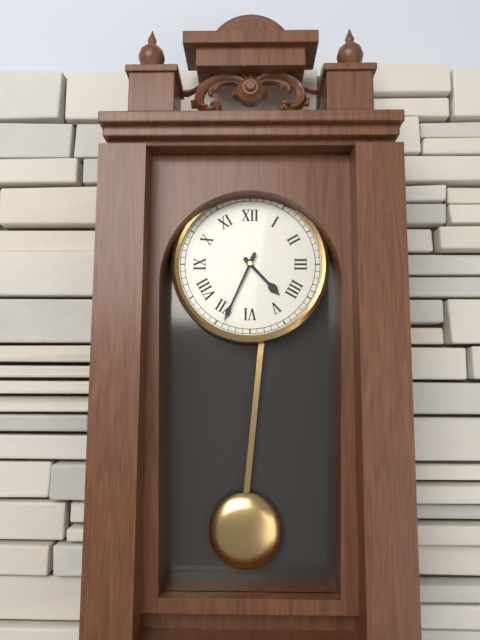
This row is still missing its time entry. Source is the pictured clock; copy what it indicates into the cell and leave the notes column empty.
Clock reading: 4:34
